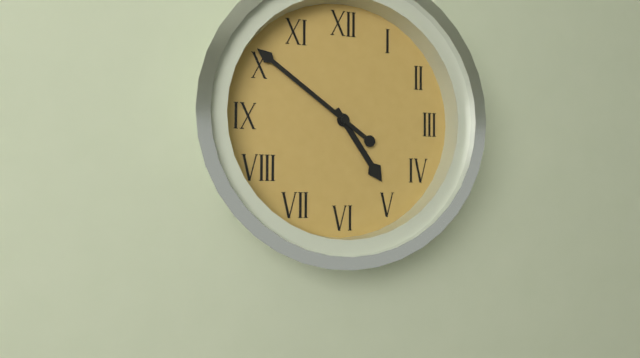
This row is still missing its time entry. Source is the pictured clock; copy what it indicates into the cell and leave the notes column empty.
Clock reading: 4:51
